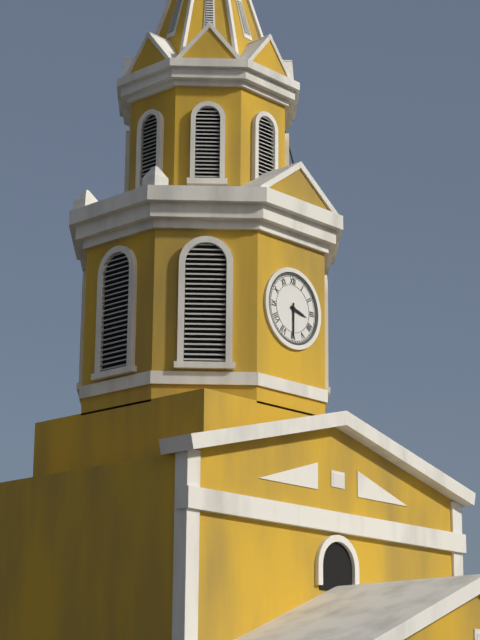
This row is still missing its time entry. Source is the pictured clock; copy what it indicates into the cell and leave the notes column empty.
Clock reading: 3:30
